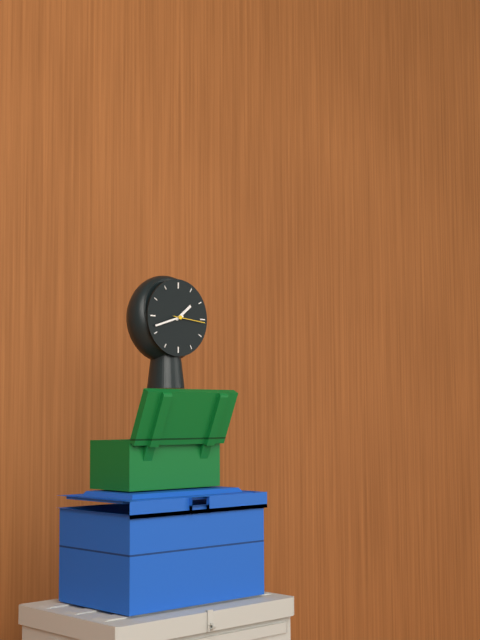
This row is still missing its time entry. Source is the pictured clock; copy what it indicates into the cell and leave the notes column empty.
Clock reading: 1:42
